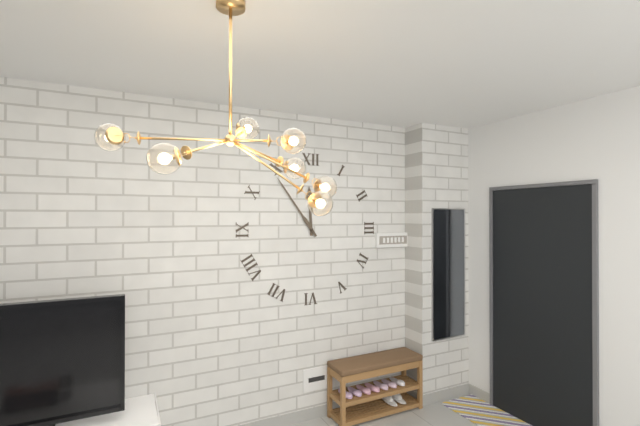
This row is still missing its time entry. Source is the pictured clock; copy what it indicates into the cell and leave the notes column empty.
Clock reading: 11:54
